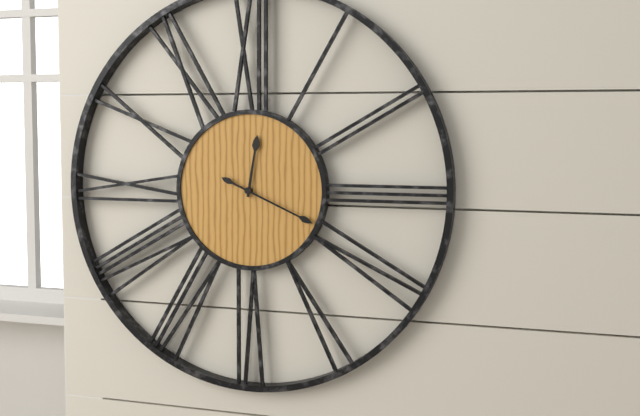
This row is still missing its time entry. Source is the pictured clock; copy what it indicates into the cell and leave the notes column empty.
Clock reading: 12:19
